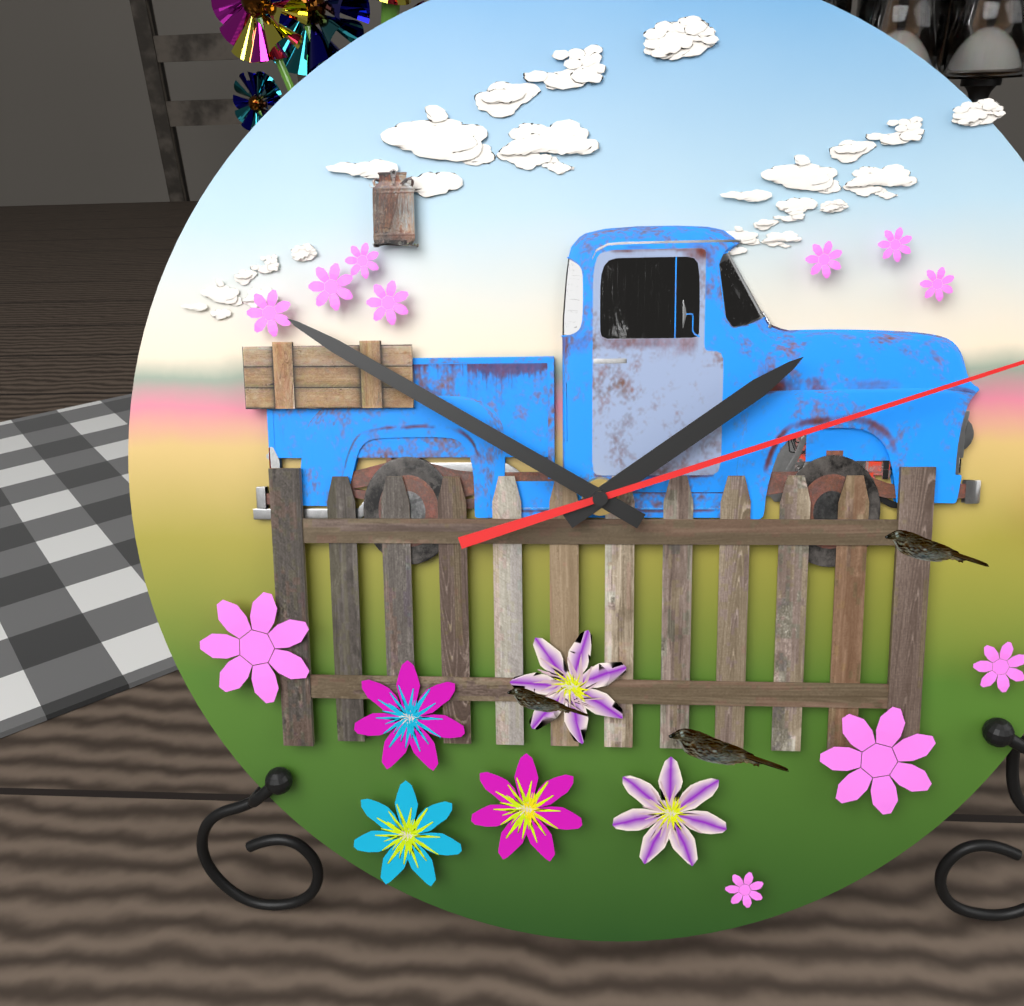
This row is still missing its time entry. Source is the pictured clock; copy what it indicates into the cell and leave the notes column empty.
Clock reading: 1:50
